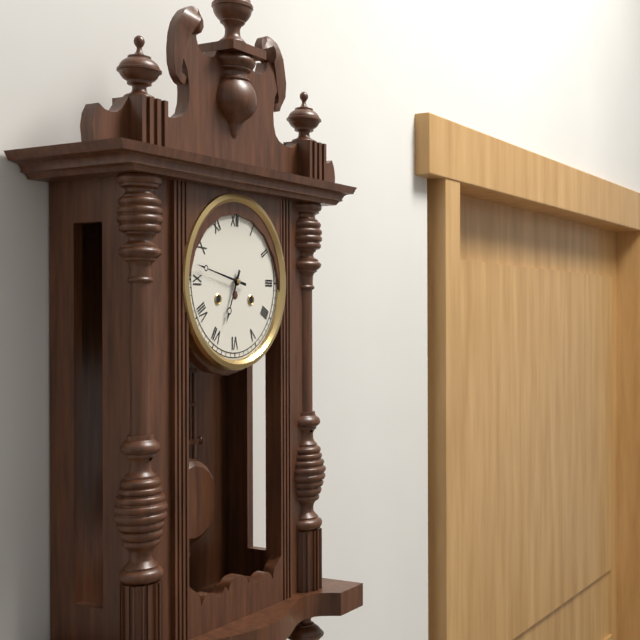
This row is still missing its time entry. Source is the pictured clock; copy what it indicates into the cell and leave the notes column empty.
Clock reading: 6:47
